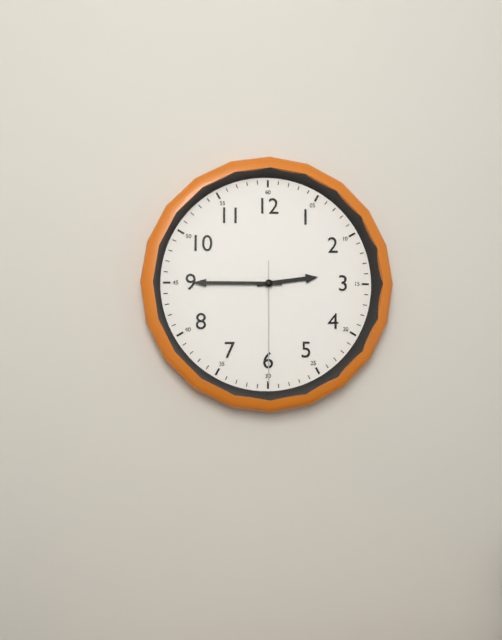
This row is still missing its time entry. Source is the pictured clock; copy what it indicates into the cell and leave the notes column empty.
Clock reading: 2:45:30
